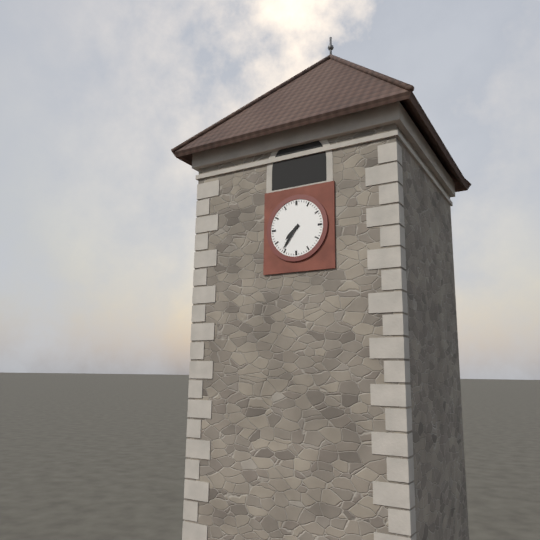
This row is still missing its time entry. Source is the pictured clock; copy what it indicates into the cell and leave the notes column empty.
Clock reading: 7:36
